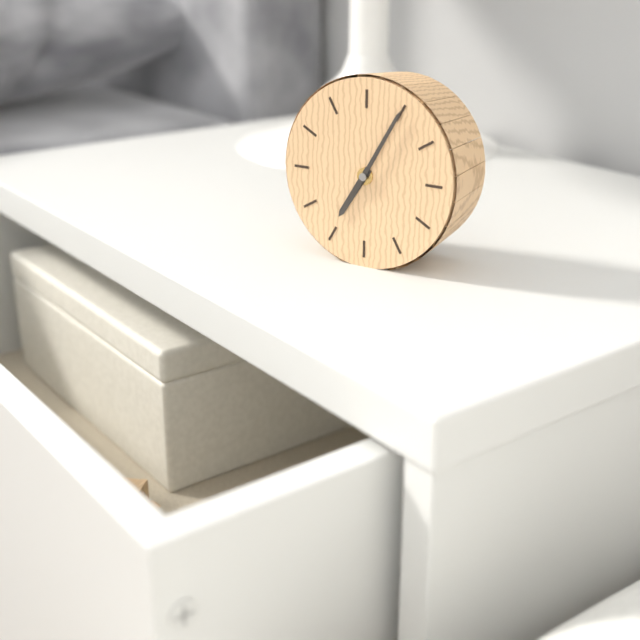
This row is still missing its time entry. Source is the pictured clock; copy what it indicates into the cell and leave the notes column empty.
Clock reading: 7:05
